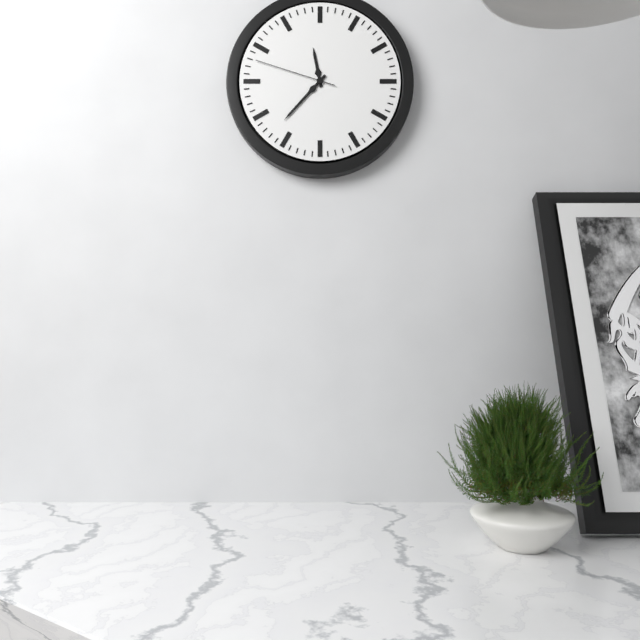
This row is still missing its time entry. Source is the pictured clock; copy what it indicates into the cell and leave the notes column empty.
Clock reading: 11:37:48
